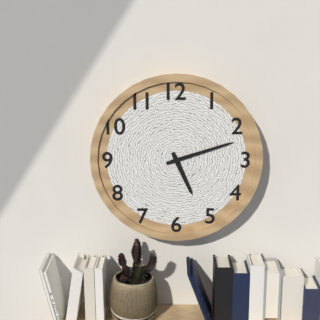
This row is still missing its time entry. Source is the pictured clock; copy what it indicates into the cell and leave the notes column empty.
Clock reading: 5:12
